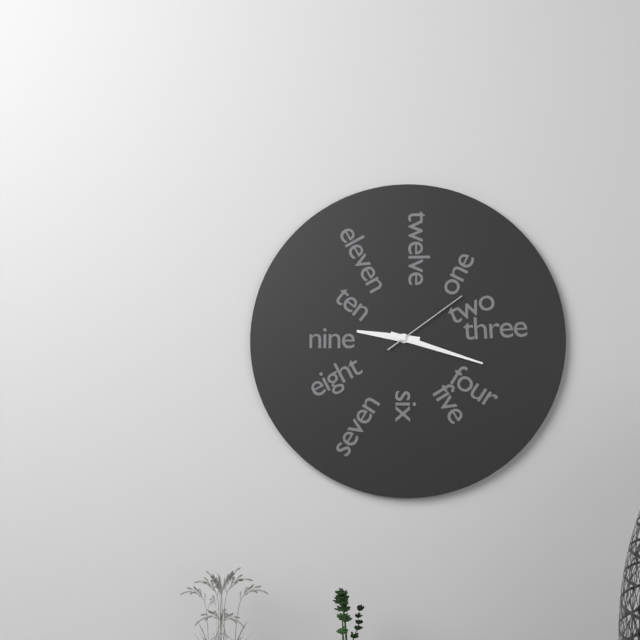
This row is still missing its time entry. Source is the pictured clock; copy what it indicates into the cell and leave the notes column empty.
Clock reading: 9:18:09
